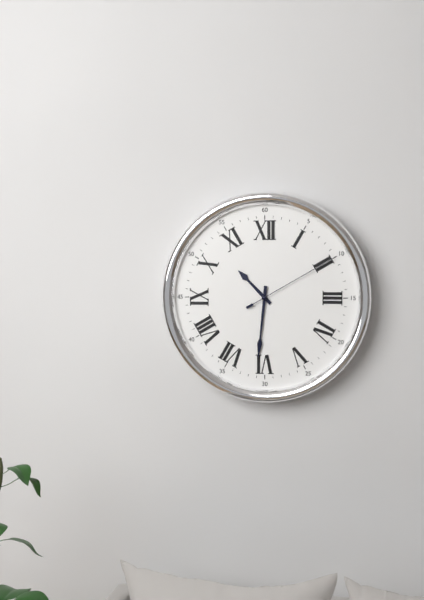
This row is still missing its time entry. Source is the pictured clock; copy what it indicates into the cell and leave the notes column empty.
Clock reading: 10:31:10
